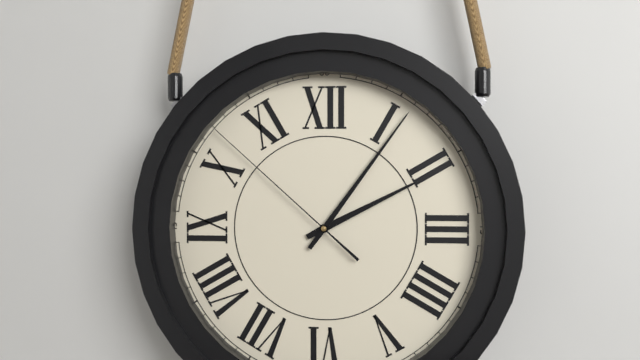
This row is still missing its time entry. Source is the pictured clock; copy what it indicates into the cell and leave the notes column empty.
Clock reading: 2:06:52
